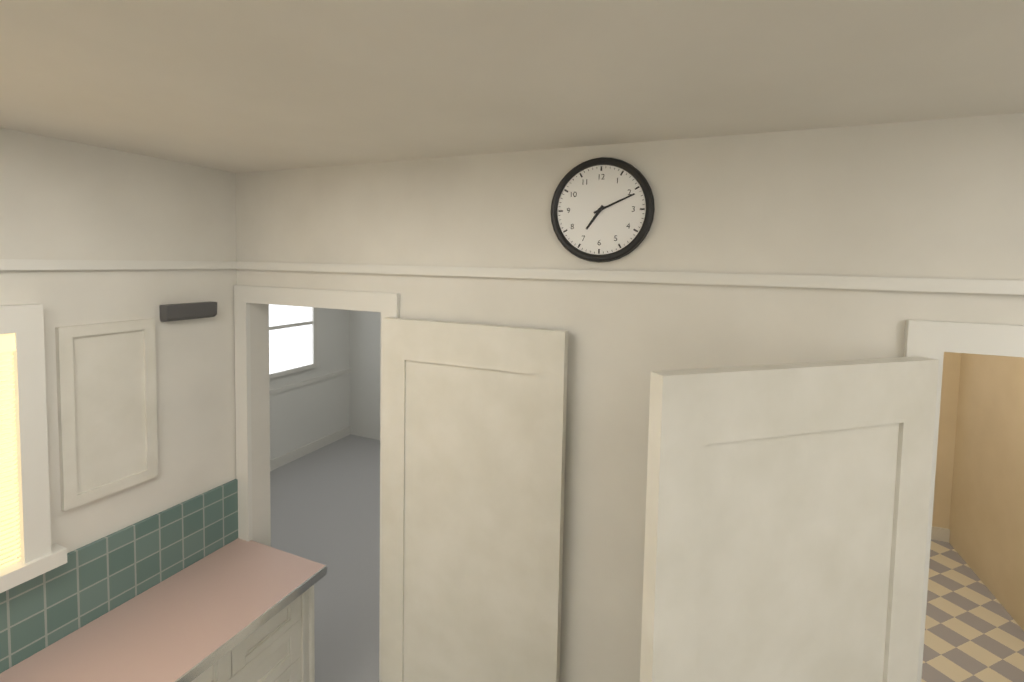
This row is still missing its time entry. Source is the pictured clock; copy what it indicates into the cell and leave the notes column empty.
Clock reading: 7:11
